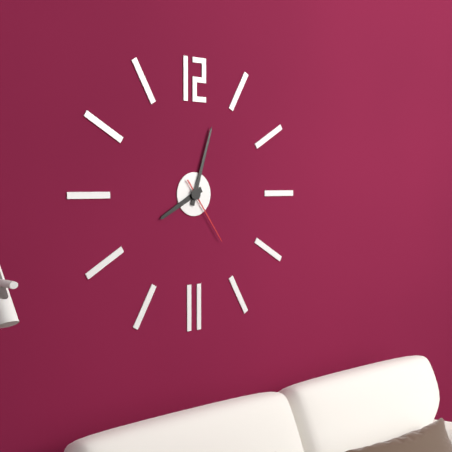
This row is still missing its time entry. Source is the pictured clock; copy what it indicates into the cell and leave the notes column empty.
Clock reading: 8:03:24
